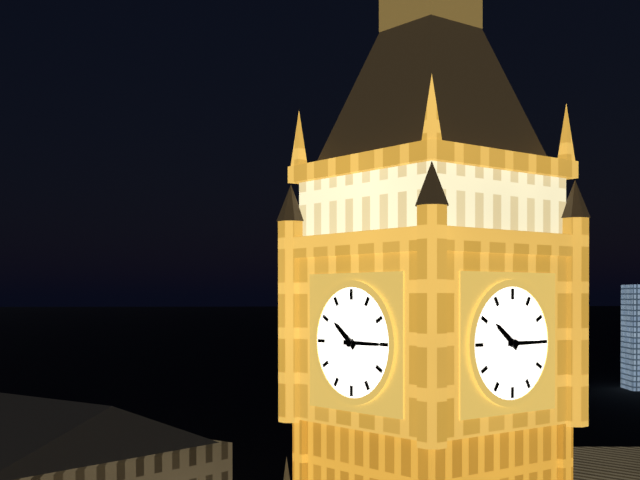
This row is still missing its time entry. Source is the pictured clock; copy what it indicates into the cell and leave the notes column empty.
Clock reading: 10:15
